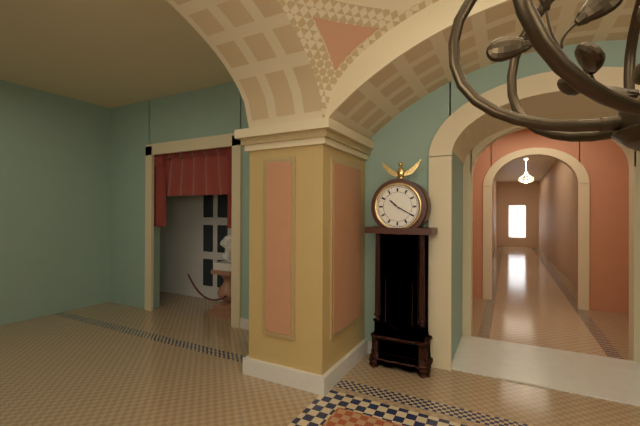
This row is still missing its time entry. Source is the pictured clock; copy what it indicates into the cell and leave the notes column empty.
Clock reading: 10:20
